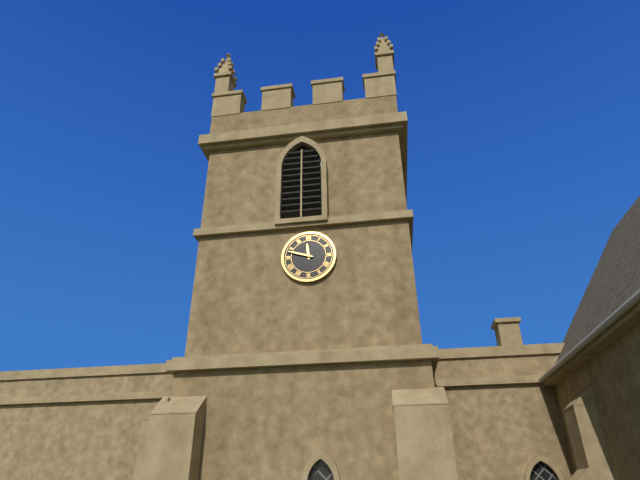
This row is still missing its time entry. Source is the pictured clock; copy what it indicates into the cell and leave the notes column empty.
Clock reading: 11:48
